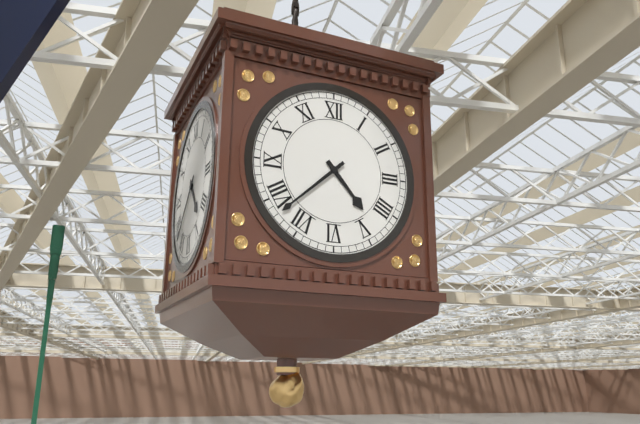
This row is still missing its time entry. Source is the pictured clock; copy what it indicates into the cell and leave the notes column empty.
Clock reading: 4:38
